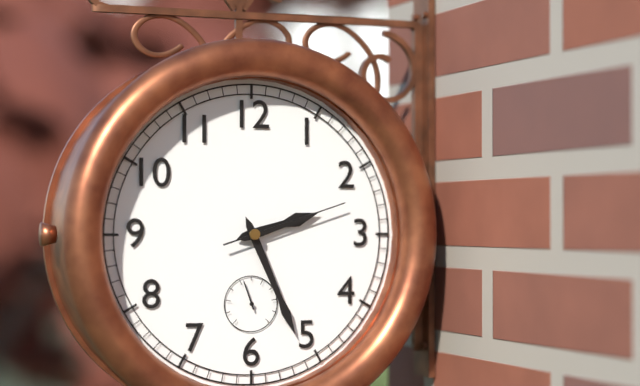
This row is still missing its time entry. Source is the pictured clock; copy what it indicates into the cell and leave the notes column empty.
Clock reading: 2:26:12
